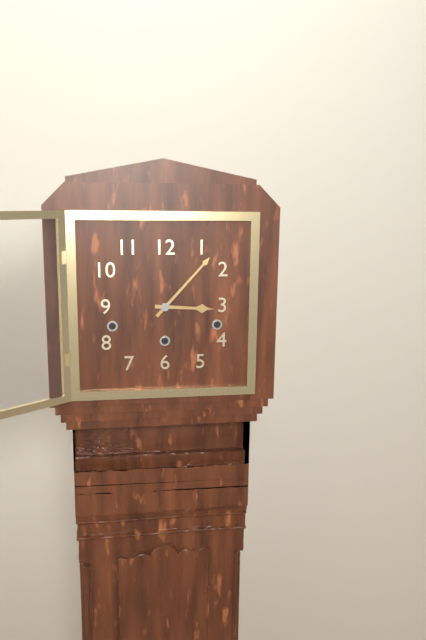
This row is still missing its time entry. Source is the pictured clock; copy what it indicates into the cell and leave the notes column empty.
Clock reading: 3:07
